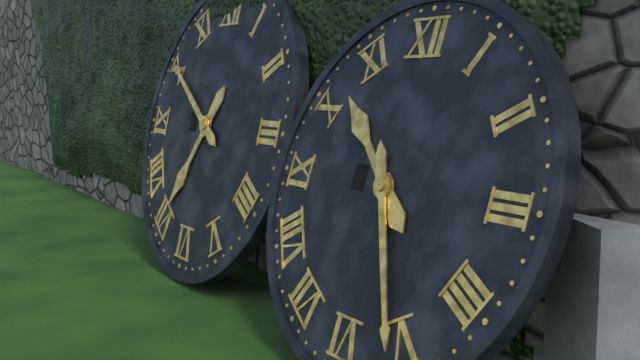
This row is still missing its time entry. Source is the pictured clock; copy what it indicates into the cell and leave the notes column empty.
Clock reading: 10:26
